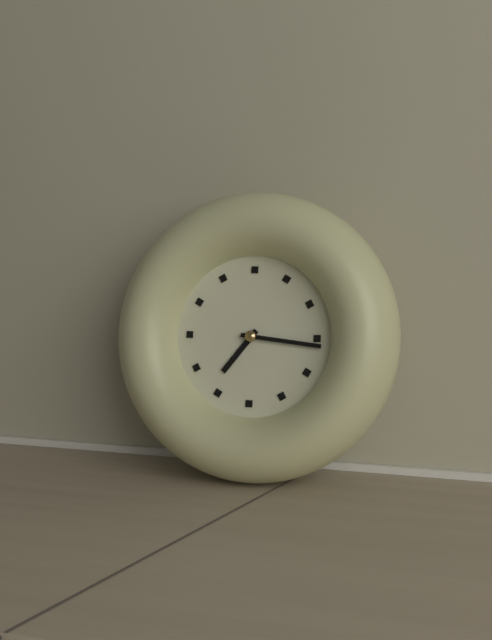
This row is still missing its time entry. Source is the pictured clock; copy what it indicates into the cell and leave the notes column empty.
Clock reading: 7:16
